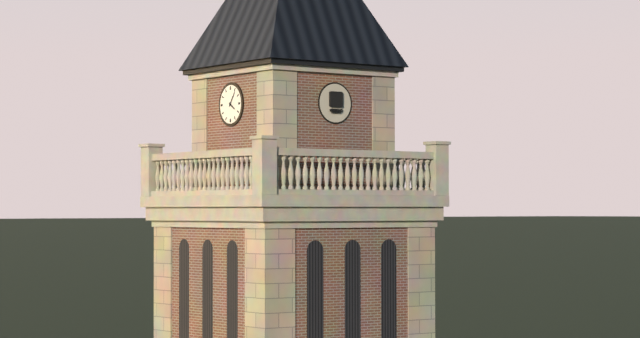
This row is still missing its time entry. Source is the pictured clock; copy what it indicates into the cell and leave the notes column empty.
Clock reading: 4:06
